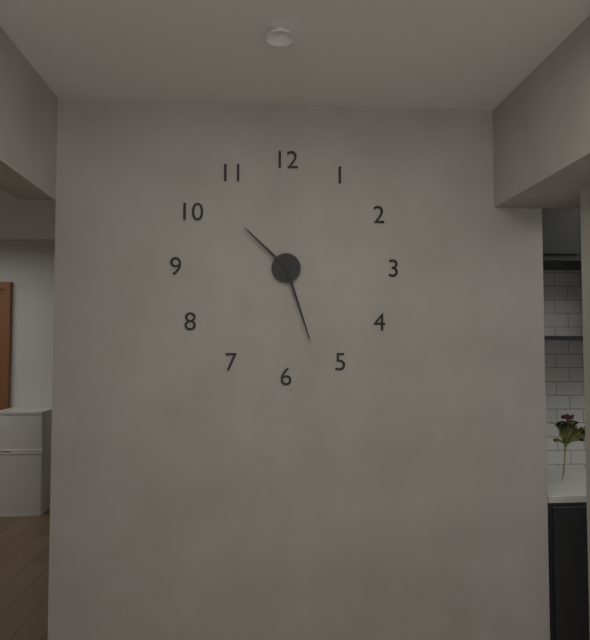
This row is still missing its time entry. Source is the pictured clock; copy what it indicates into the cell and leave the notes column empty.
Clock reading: 10:27
